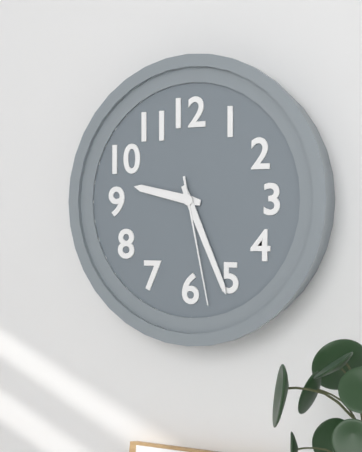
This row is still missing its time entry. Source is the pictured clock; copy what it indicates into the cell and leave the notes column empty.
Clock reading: 9:26:28
